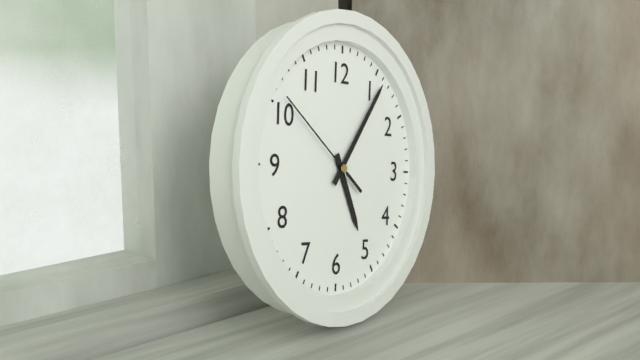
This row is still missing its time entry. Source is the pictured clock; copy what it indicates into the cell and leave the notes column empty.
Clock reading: 5:06:51
